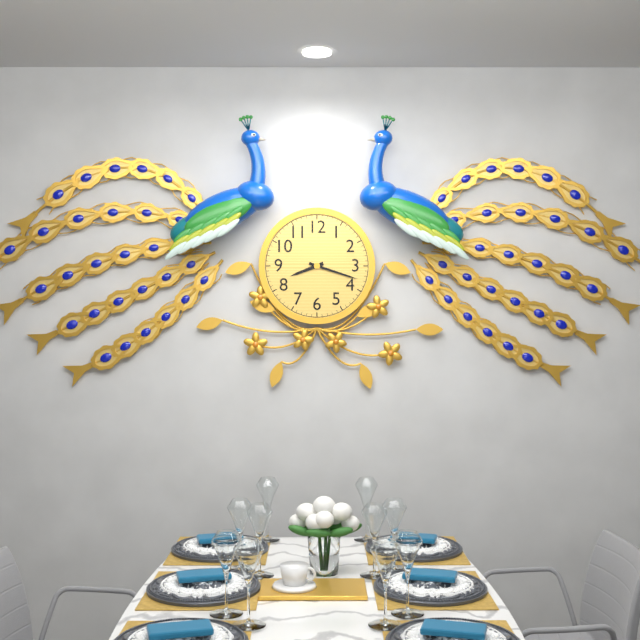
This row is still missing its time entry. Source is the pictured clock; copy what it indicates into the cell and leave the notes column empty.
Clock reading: 8:18
